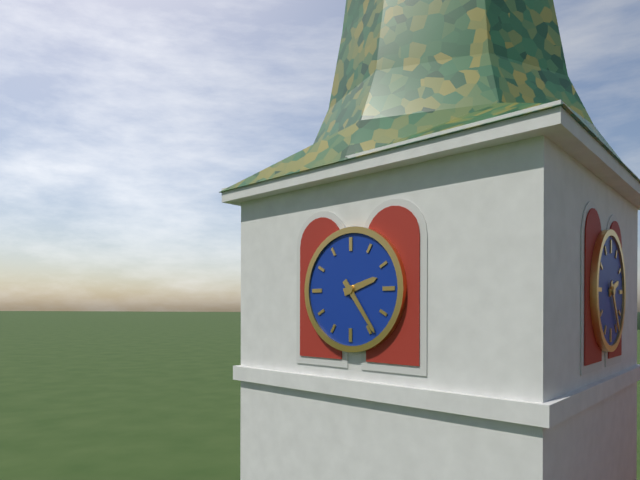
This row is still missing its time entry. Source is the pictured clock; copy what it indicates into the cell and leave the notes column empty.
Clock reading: 2:24
